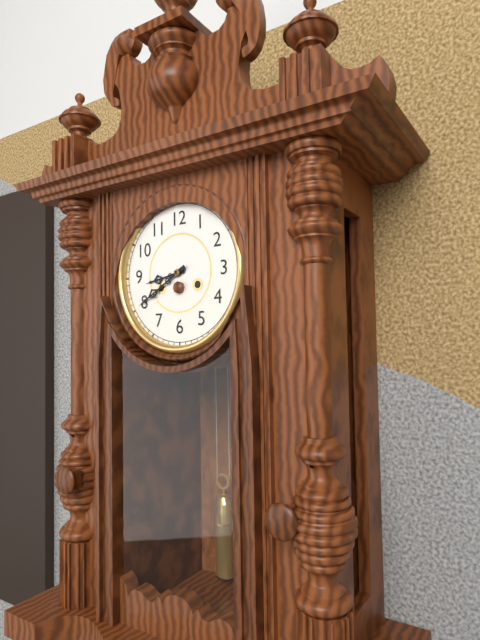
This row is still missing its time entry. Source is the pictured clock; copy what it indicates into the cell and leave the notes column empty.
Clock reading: 8:40
